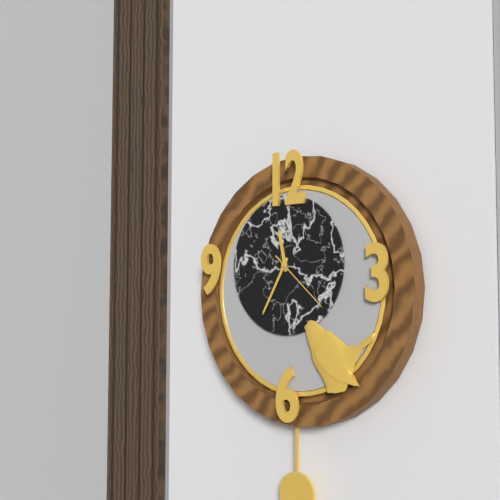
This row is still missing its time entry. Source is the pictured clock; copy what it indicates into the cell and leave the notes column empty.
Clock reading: 11:35:22
